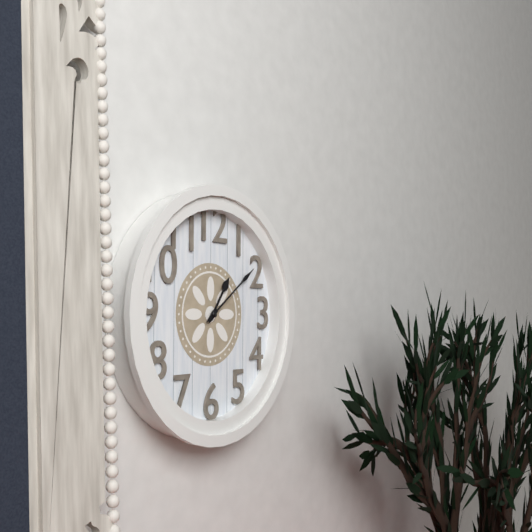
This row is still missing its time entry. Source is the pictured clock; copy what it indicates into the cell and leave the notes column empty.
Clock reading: 1:09
